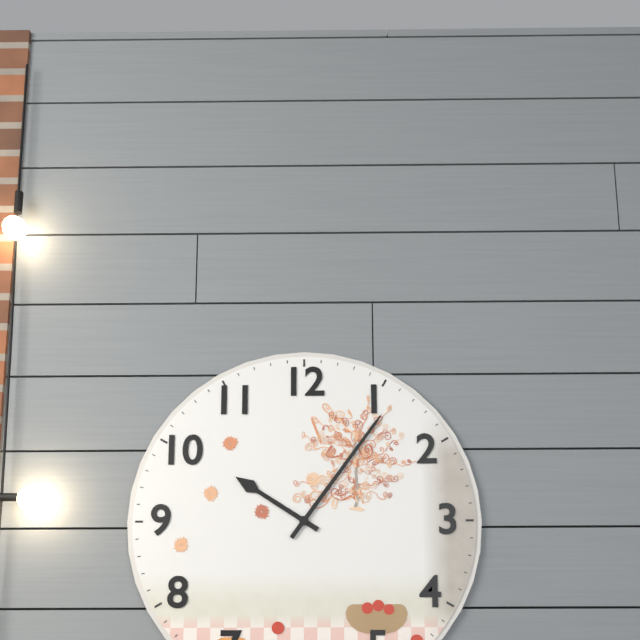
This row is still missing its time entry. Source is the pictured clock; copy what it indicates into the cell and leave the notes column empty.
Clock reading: 10:06
